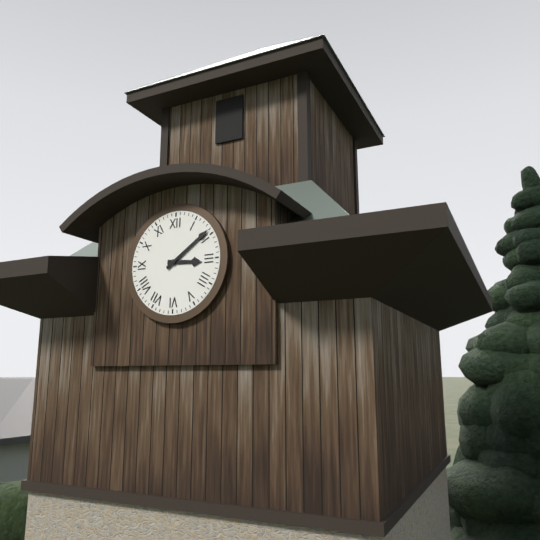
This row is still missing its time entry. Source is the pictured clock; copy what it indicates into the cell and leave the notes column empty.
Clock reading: 3:09
